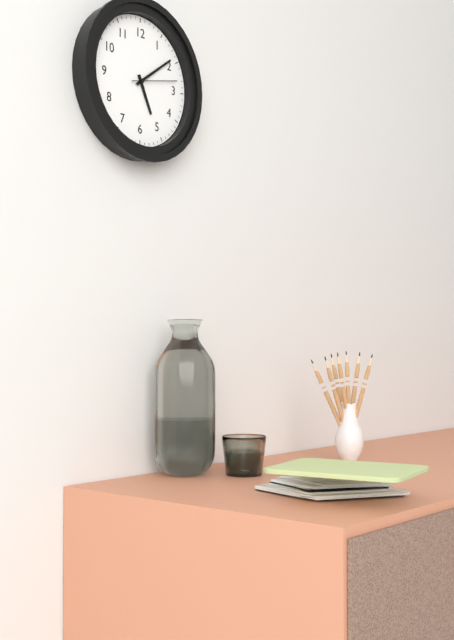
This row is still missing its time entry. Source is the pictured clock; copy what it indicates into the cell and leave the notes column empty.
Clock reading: 5:09
